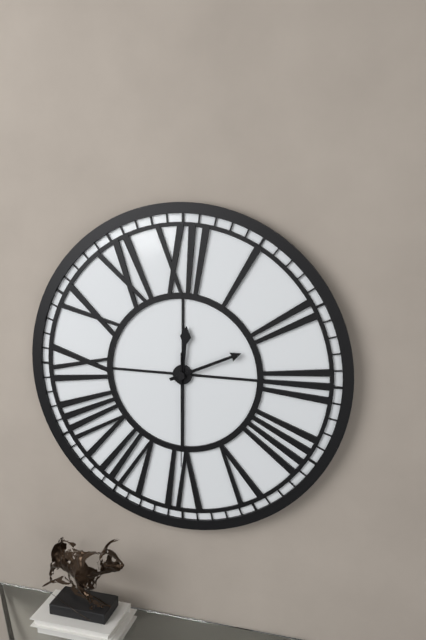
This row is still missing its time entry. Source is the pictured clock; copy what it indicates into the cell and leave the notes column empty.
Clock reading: 12:11:30
